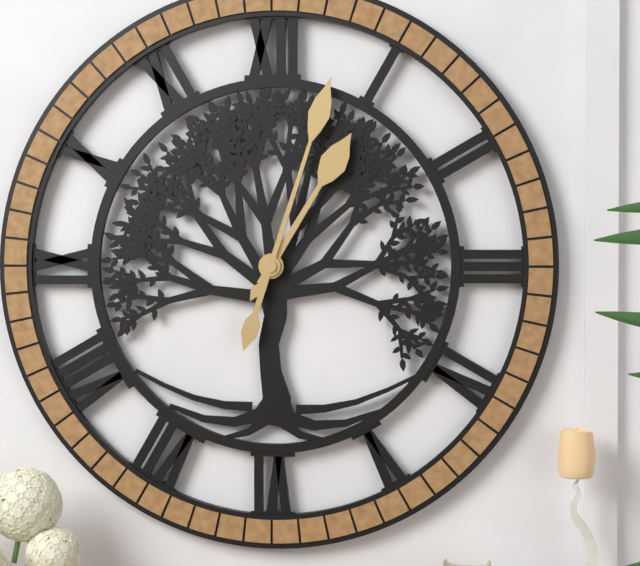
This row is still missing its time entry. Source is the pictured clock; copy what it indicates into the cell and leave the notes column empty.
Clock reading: 1:03
